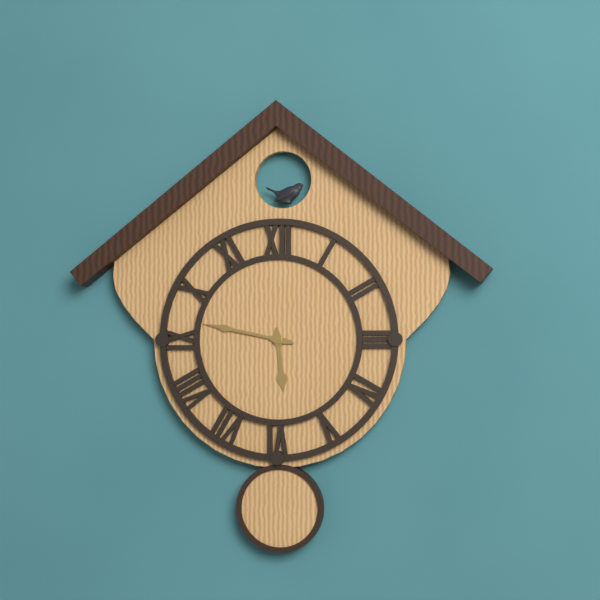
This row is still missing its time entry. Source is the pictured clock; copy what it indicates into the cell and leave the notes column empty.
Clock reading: 5:47
